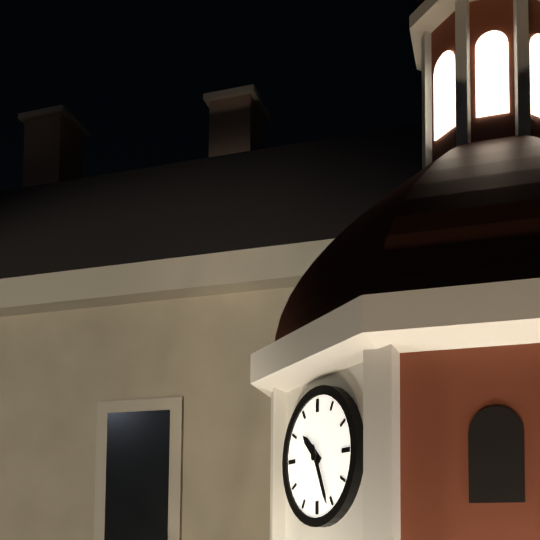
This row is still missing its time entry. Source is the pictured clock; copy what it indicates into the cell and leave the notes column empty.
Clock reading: 10:26
